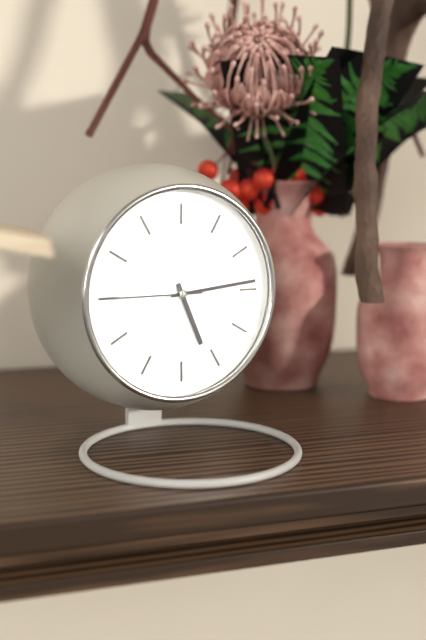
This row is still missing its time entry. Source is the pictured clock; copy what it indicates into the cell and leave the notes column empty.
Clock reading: 5:14:45
